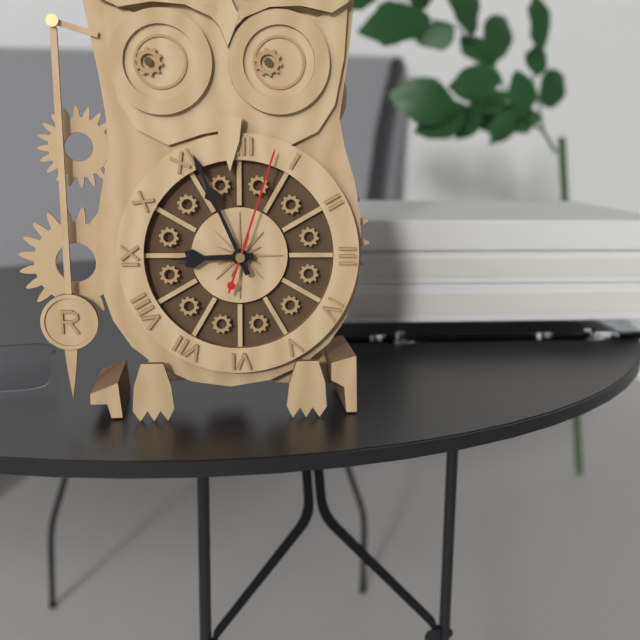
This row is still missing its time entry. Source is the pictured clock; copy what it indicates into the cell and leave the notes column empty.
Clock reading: 8:56:03
